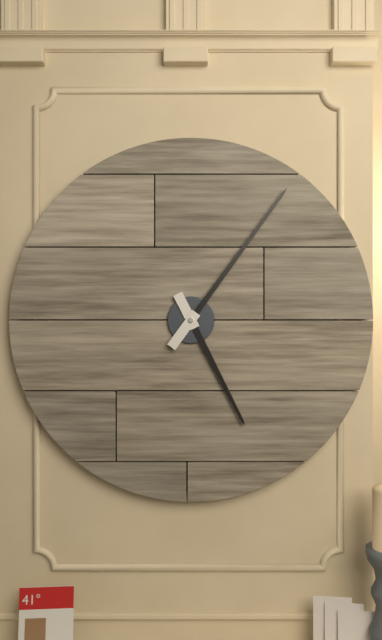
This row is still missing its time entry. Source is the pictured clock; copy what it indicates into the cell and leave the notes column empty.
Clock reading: 5:06
